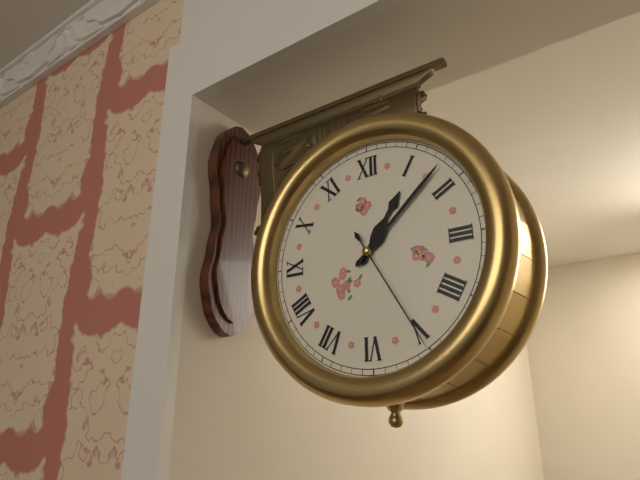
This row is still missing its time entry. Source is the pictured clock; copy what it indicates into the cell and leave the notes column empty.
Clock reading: 1:08:25
